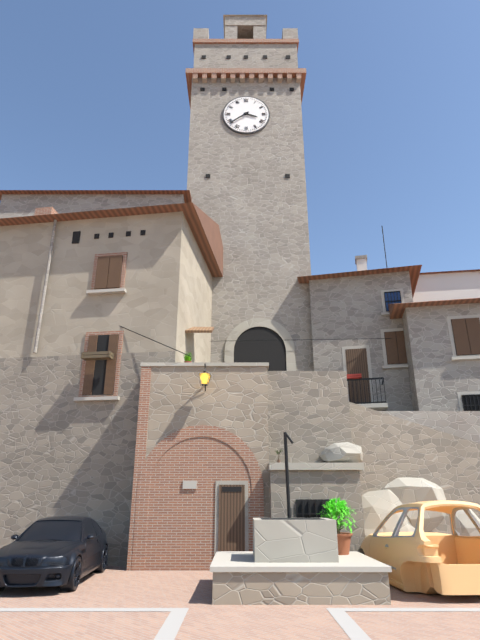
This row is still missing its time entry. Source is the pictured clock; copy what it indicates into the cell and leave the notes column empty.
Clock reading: 3:39
